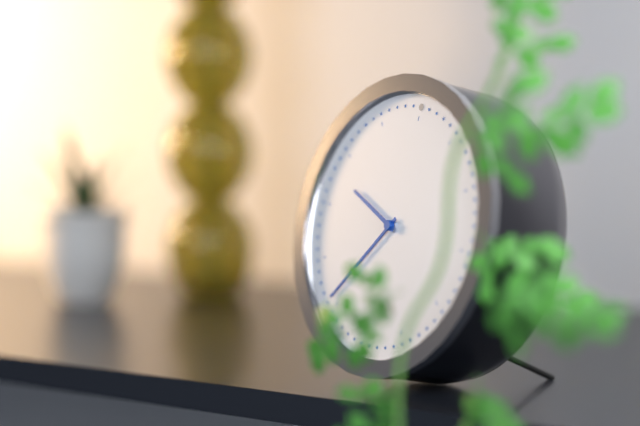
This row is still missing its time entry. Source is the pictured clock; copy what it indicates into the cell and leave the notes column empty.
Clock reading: 9:36
